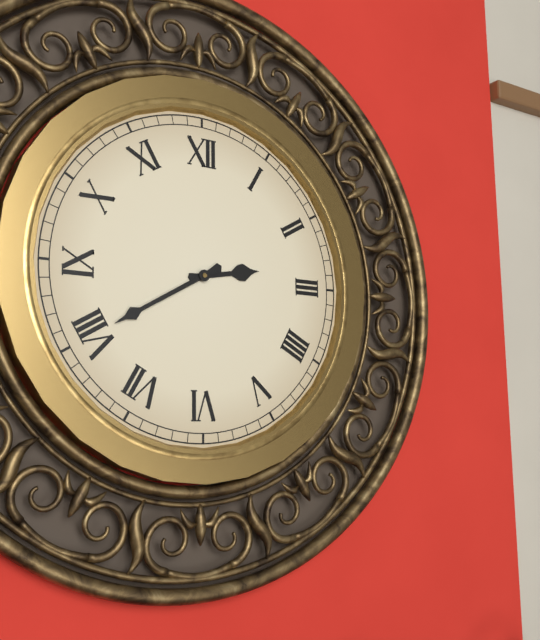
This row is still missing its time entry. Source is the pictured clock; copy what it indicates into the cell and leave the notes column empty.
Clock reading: 2:40
